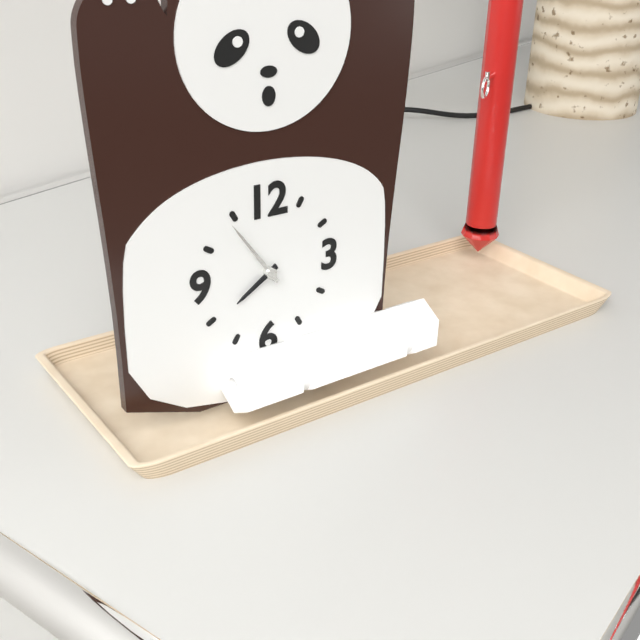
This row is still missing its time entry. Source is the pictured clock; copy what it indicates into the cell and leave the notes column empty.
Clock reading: 7:54
